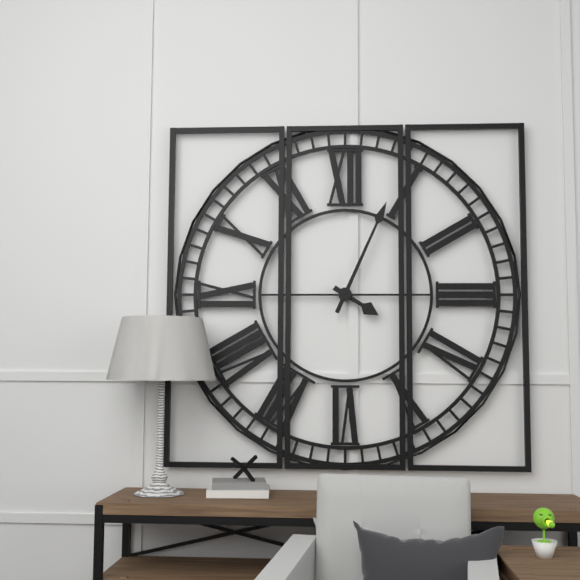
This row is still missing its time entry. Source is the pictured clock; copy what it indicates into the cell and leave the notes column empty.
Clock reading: 4:04
